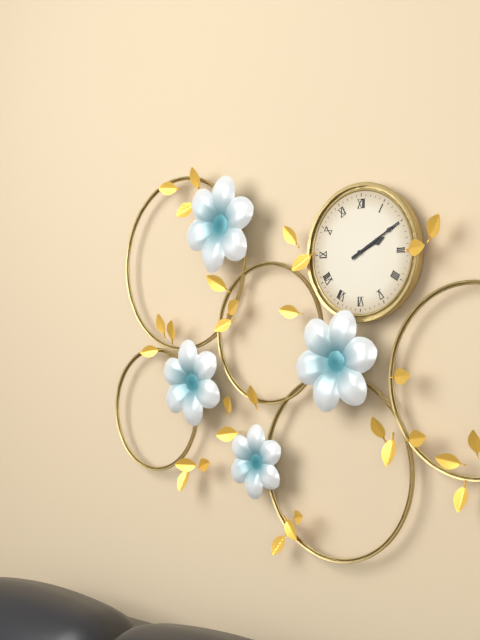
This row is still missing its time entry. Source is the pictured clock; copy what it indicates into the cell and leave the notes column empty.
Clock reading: 2:10
